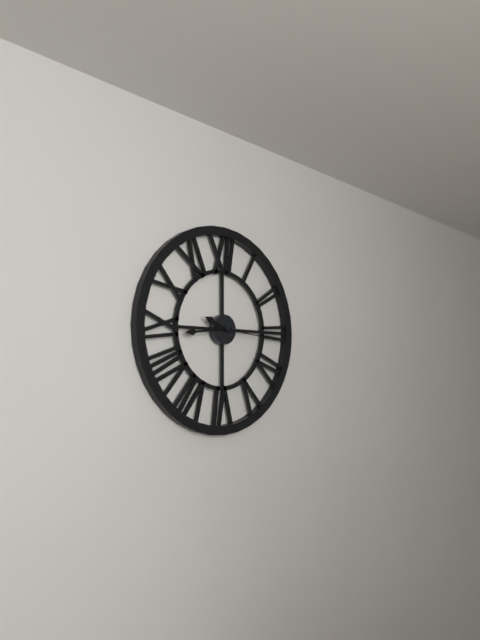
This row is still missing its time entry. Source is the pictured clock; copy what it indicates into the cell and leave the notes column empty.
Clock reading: 9:44:16
